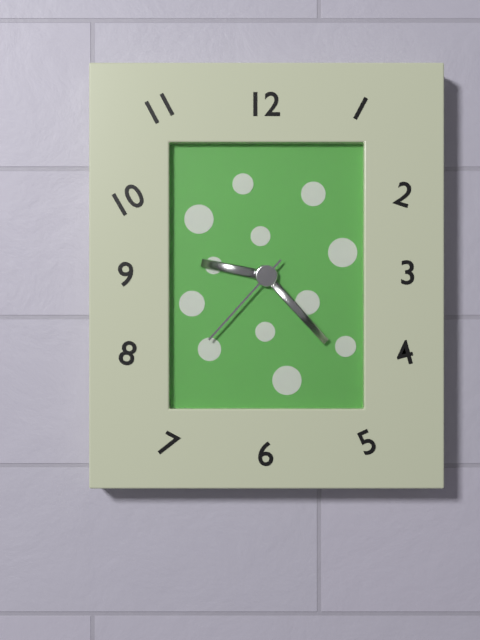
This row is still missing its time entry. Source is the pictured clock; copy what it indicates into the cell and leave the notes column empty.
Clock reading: 9:23:37
